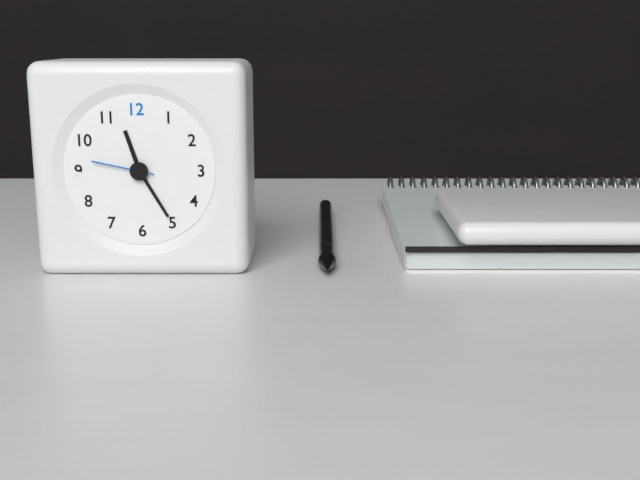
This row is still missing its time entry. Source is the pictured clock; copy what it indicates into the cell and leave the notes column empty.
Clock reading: 11:25:47
